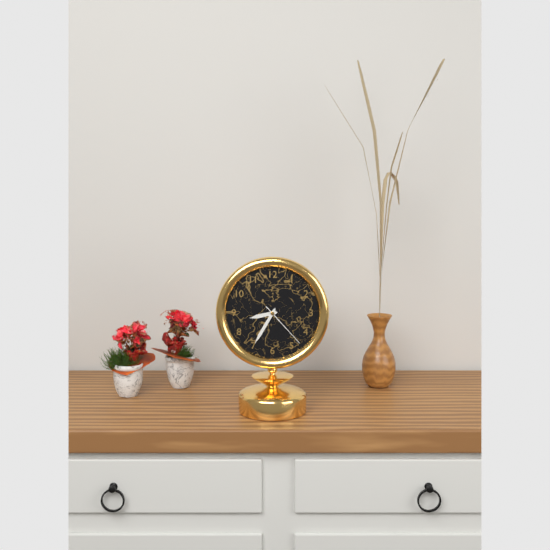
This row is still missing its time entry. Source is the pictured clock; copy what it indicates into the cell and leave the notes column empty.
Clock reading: 8:35:23
